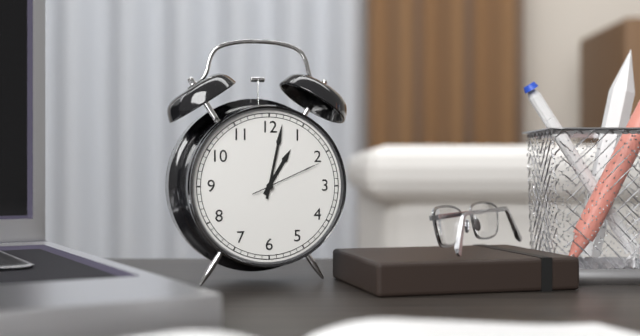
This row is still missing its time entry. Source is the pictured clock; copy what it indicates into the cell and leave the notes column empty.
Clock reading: 1:02:11
